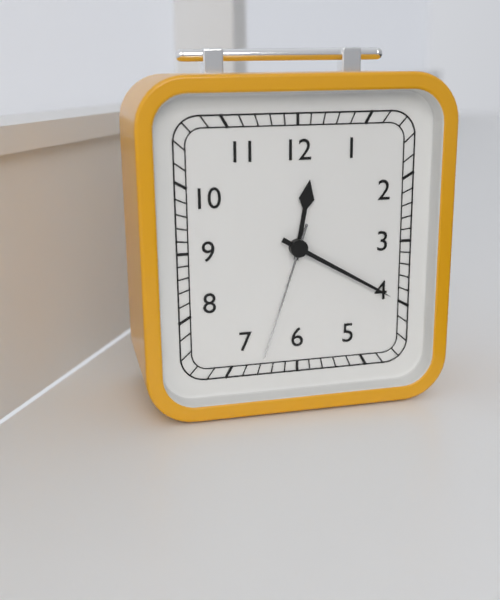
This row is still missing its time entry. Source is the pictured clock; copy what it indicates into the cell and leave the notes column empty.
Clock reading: 12:20:33
